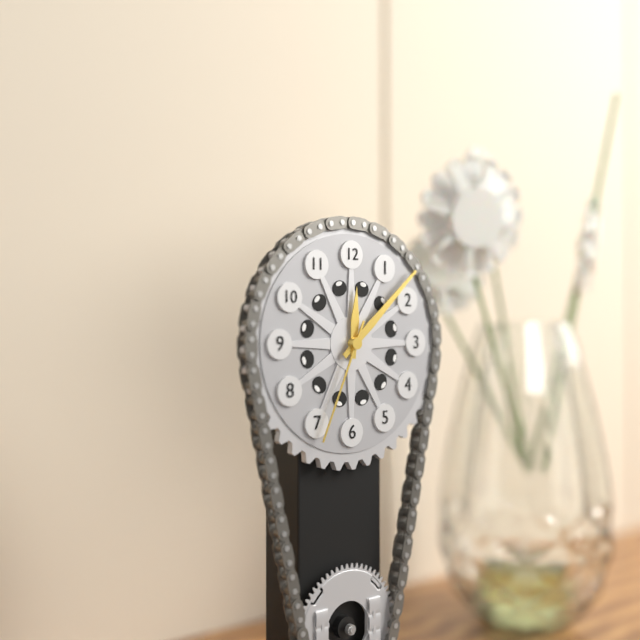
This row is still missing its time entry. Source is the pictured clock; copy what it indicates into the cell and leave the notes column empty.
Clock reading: 12:08:34
